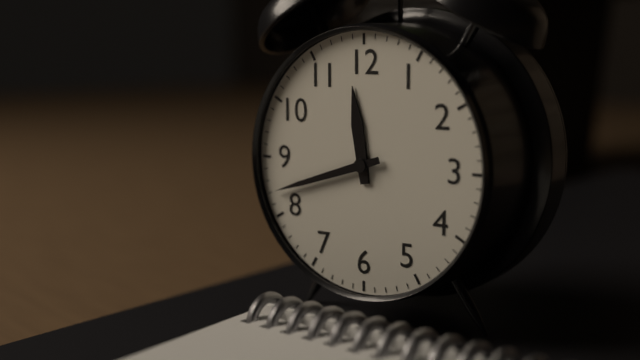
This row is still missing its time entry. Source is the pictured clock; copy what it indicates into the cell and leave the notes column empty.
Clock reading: 11:42
